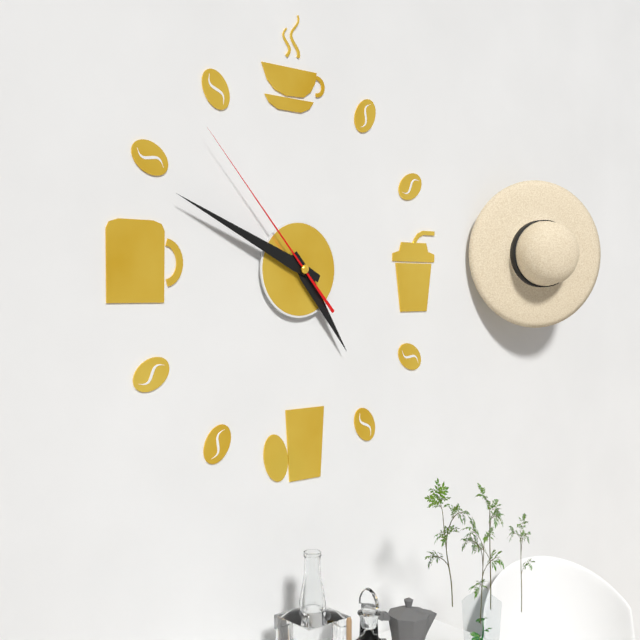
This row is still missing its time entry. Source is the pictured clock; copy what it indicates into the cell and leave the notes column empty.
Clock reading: 4:49:53
